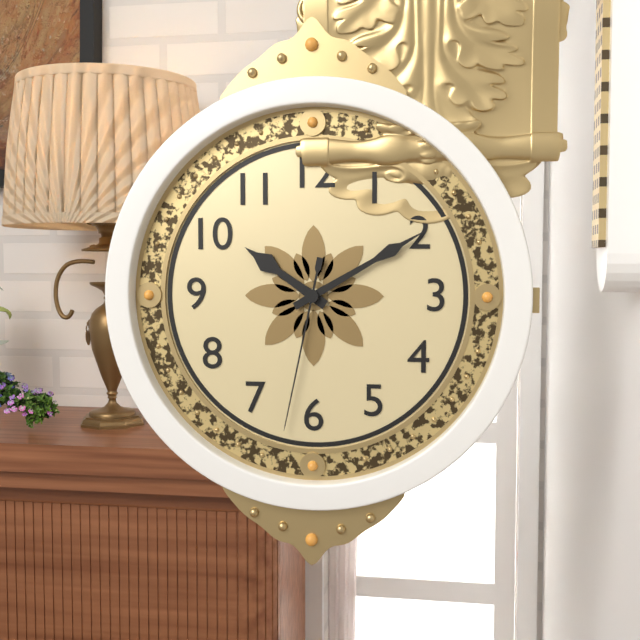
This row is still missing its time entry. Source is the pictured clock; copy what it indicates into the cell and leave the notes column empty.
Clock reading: 10:10:32
